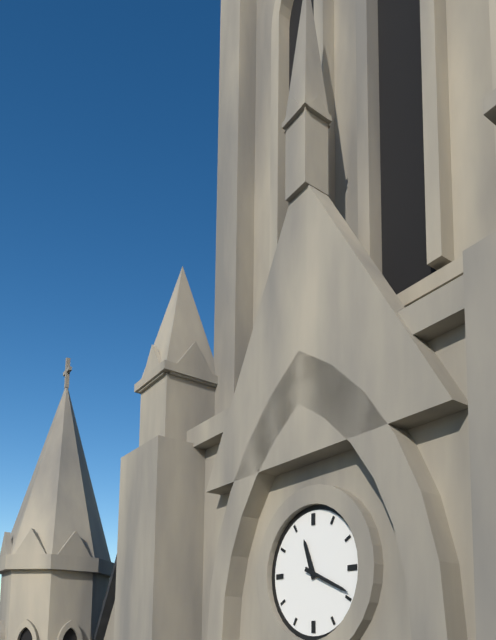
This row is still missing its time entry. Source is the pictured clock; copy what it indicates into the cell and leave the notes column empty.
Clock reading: 11:19
